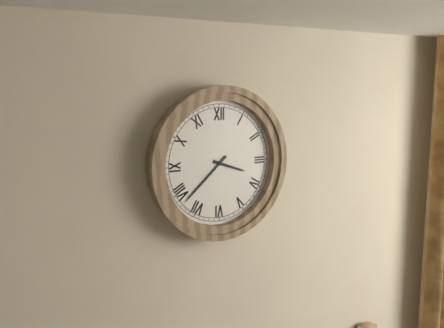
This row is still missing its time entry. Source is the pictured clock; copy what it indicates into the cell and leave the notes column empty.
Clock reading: 3:38
